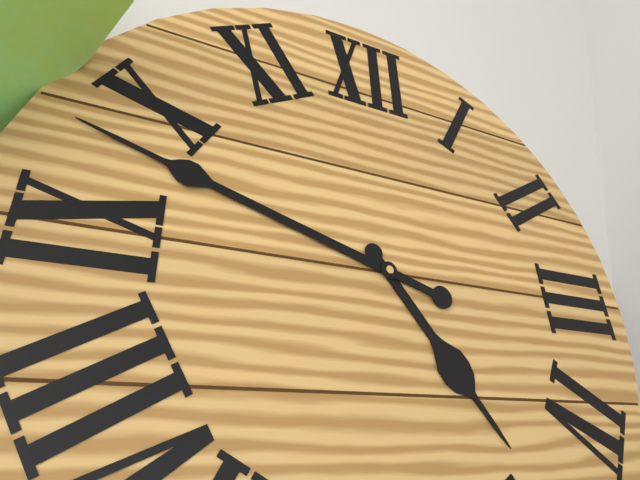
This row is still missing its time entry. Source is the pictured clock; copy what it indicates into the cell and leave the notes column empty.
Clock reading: 4:48
